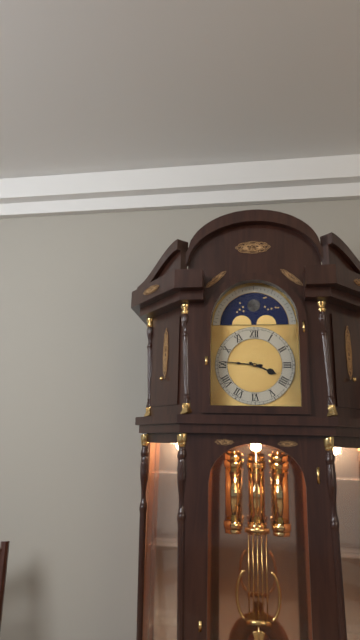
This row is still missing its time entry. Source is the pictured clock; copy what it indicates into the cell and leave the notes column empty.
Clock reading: 3:46
